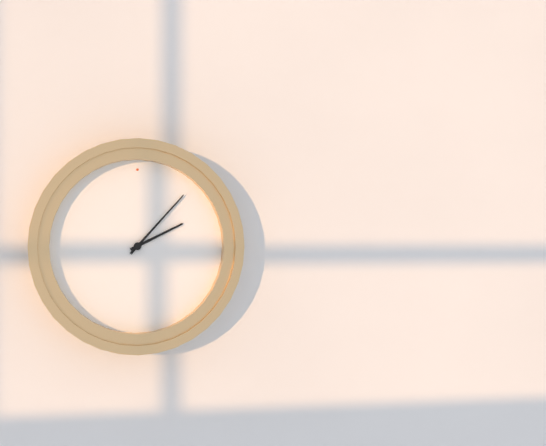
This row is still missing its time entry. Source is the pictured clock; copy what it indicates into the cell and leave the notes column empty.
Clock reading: 2:07
